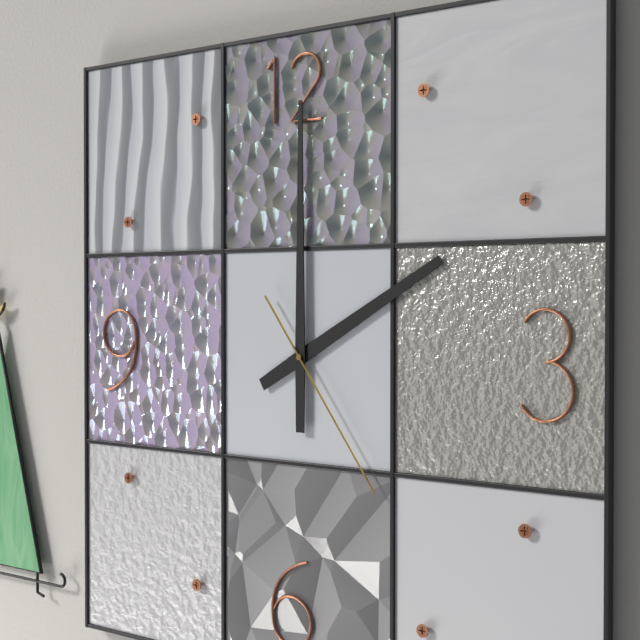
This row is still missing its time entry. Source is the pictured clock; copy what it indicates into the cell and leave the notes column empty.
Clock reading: 2:00:24
